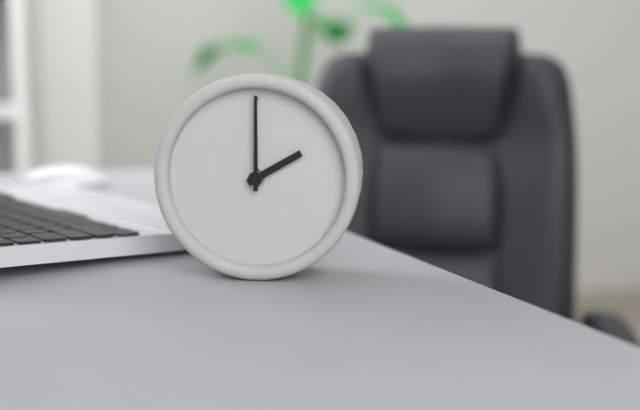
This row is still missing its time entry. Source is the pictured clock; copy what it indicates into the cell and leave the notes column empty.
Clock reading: 2:00
